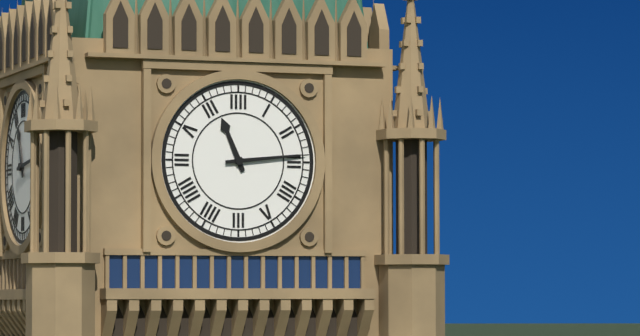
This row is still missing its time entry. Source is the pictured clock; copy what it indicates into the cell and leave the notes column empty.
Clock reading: 11:14
